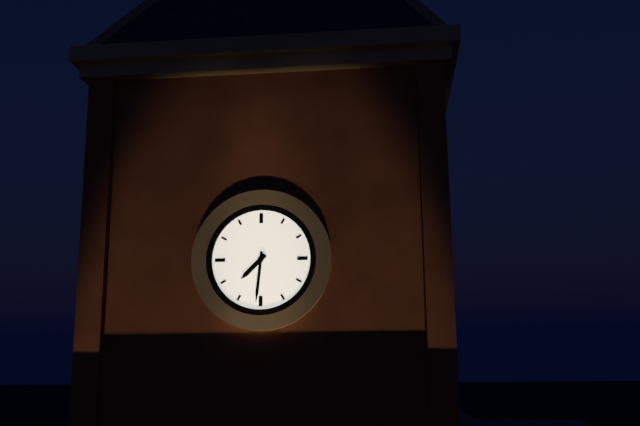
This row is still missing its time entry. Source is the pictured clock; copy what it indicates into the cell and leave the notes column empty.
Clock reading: 7:31
